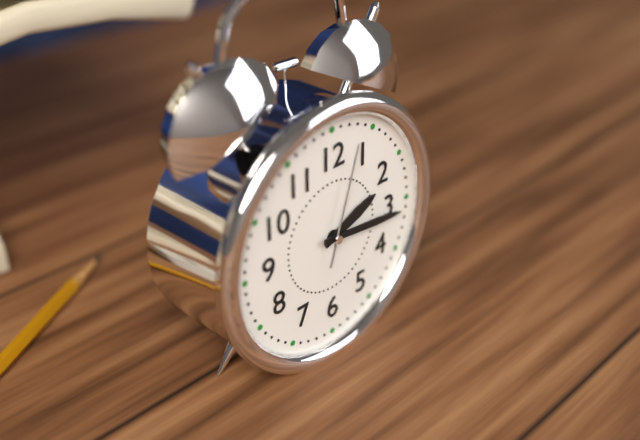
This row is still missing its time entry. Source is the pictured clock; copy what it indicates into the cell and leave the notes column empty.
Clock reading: 2:16:03
